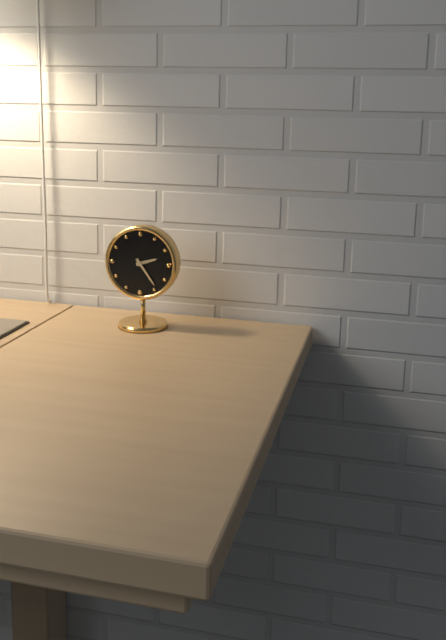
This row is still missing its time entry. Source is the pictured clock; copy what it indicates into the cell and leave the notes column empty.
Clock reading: 2:24
